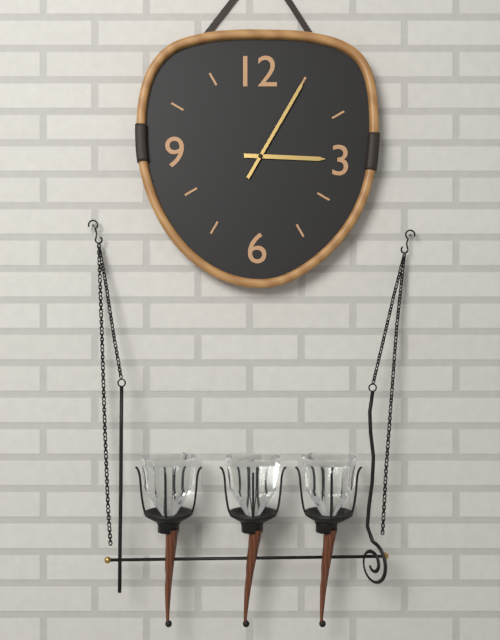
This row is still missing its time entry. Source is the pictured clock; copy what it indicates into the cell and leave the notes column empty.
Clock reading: 3:05
